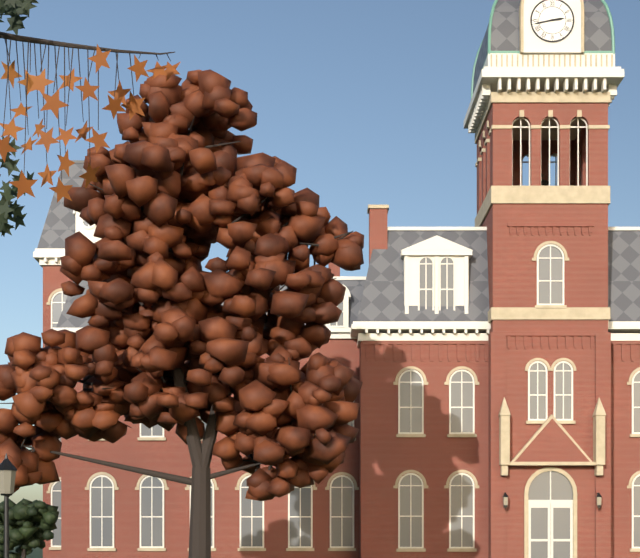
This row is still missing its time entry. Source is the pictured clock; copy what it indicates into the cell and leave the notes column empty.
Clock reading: 2:43
